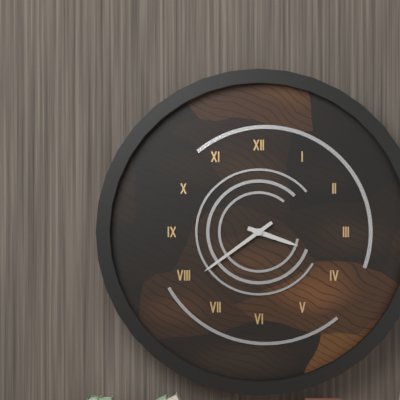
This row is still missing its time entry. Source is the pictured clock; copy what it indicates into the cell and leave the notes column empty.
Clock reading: 3:39
